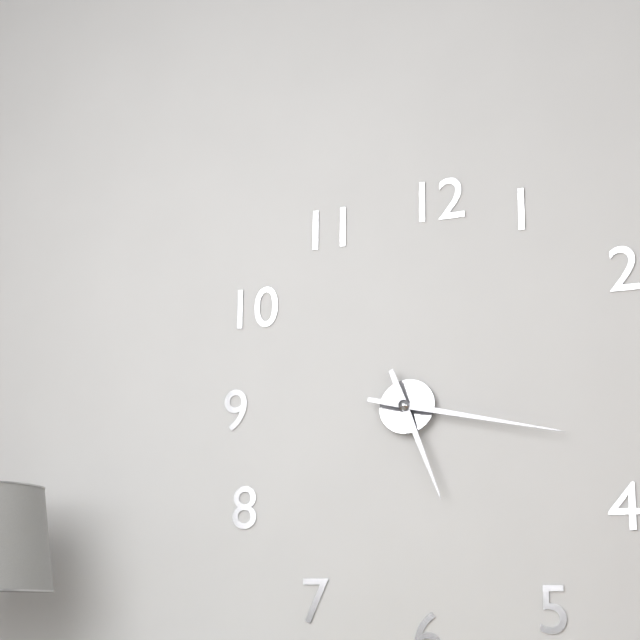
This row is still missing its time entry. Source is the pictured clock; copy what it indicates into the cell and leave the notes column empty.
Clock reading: 5:17
